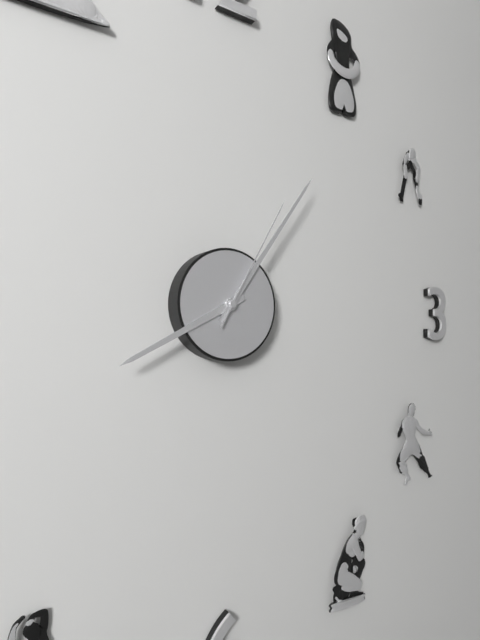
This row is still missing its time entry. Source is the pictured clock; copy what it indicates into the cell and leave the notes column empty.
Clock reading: 8:06:05
